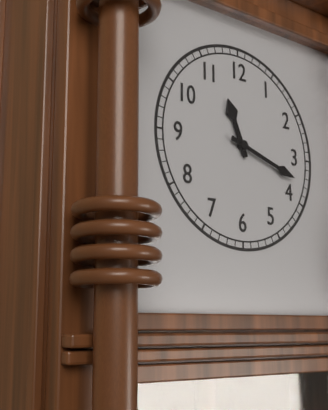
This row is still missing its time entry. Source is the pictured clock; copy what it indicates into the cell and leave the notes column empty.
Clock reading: 11:18
